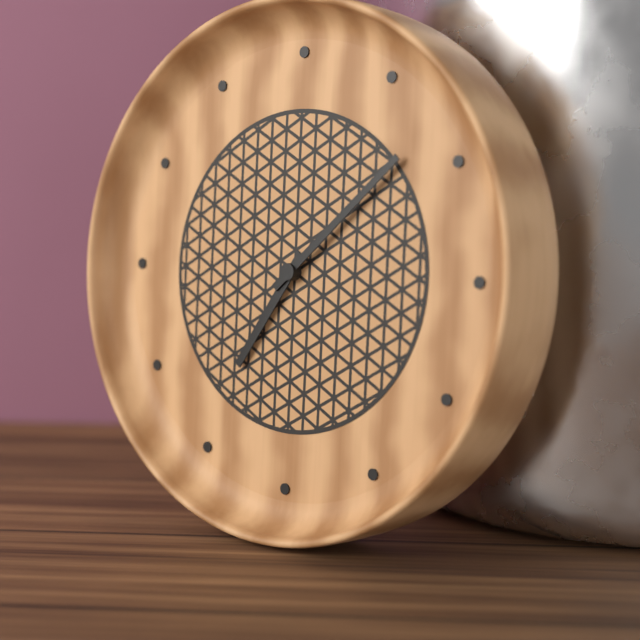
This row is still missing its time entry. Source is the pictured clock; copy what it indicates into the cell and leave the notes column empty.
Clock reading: 7:08
